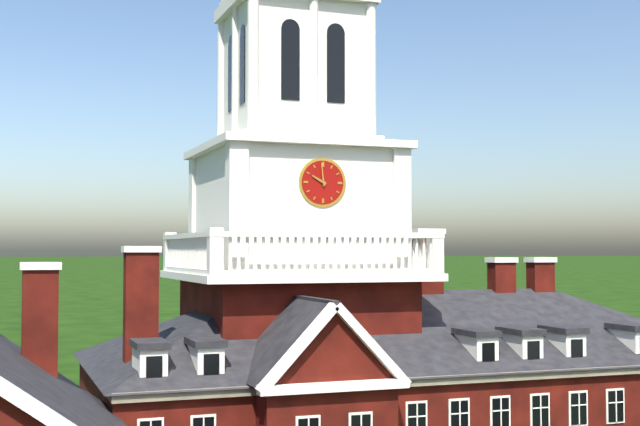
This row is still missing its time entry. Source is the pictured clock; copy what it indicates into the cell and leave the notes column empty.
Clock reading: 9:59
